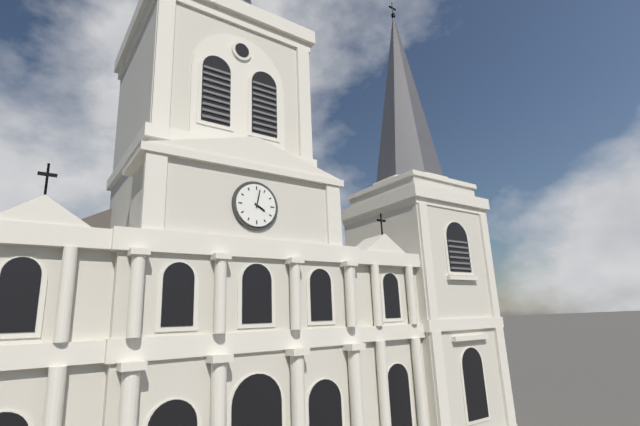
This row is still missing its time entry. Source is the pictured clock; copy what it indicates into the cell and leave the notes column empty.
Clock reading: 4:02
